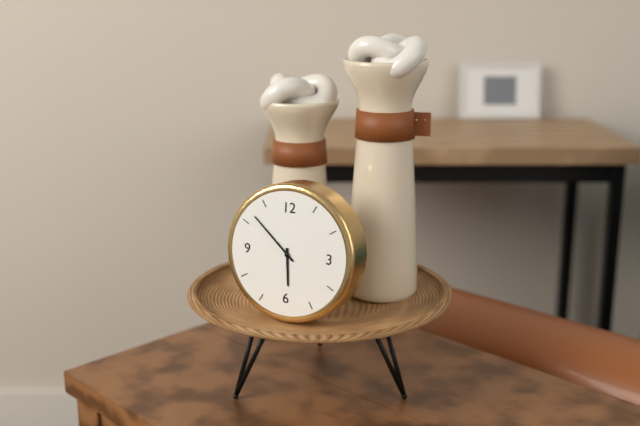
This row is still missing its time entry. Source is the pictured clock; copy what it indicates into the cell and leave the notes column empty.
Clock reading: 5:52
